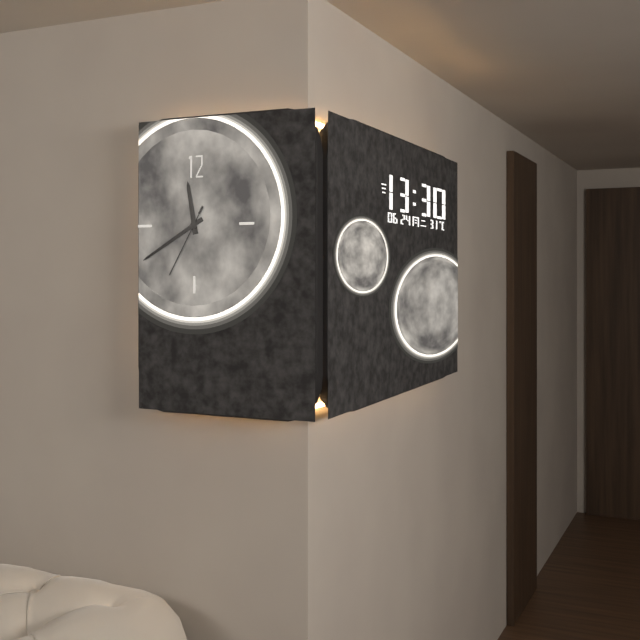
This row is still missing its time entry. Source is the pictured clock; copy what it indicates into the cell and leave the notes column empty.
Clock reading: 11:40:35
